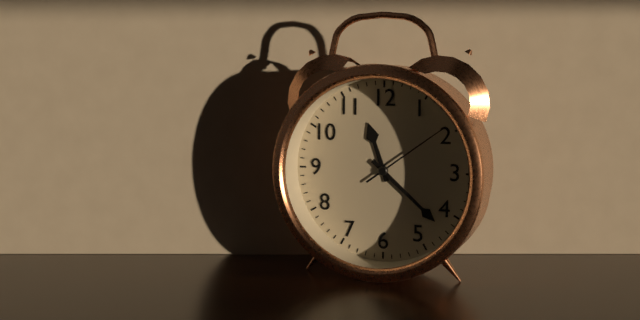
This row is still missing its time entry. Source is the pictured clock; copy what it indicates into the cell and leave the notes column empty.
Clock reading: 11:22:09
